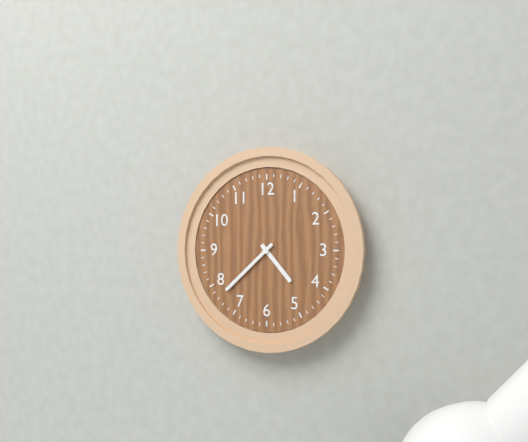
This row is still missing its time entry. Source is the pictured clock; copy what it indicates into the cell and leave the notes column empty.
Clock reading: 4:38
